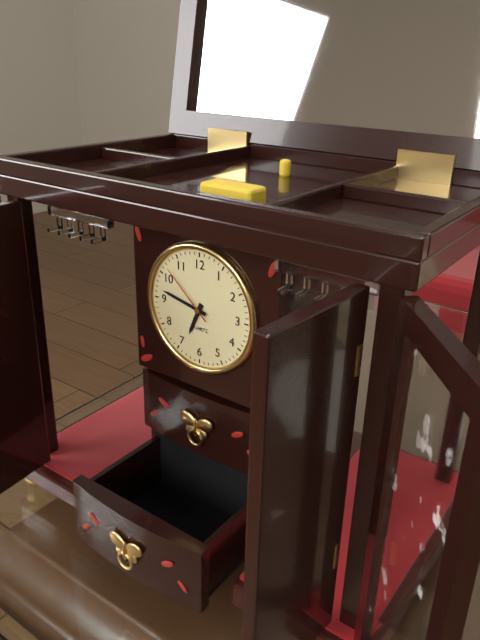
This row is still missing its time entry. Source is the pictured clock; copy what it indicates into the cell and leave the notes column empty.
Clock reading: 6:47:52
